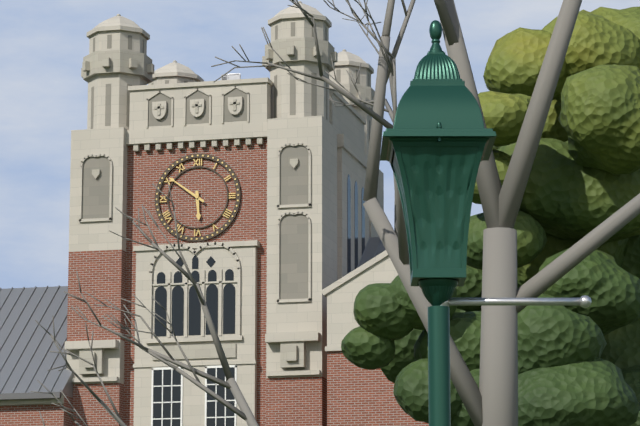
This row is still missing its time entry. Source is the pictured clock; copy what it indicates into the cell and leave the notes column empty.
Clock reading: 5:51
